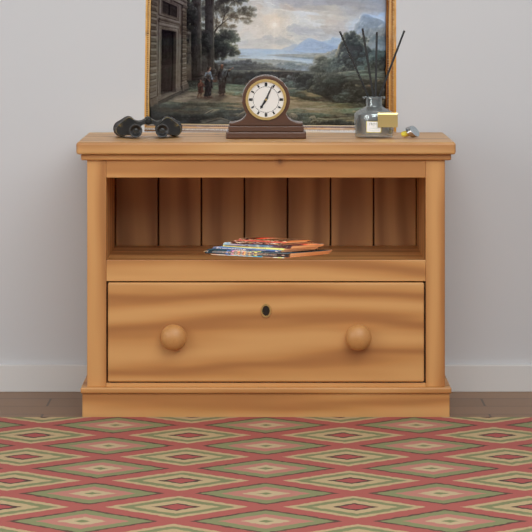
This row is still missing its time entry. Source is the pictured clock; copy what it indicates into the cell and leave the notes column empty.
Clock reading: 7:04
